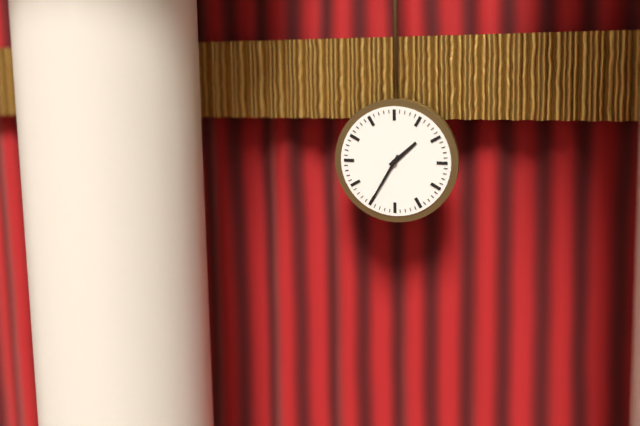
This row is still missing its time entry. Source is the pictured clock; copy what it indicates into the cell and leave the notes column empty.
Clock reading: 1:35
